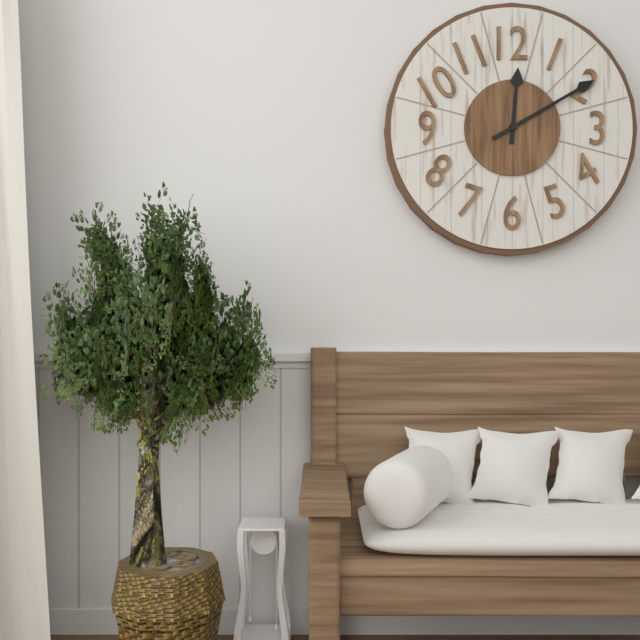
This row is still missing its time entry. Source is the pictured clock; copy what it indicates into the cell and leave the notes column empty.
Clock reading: 12:10
